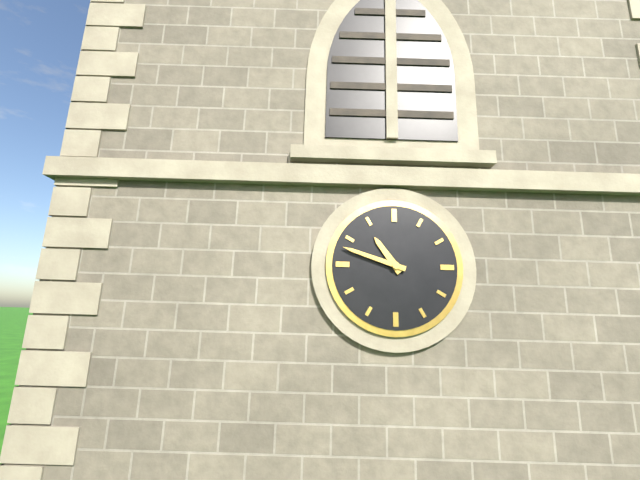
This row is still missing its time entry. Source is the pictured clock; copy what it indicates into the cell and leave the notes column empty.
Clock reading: 10:48
